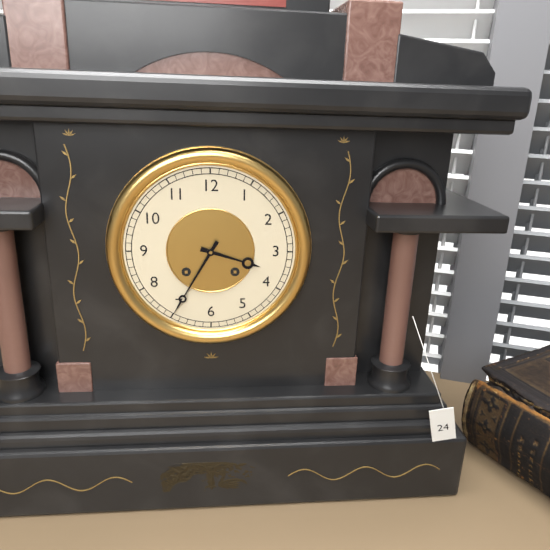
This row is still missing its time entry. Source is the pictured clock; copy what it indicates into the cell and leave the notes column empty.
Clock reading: 3:35
